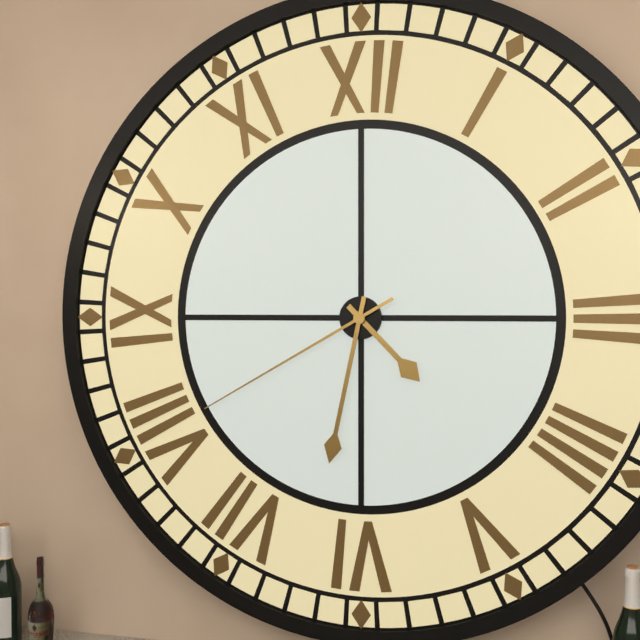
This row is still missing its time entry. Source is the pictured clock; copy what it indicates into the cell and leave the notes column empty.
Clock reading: 4:32:40
